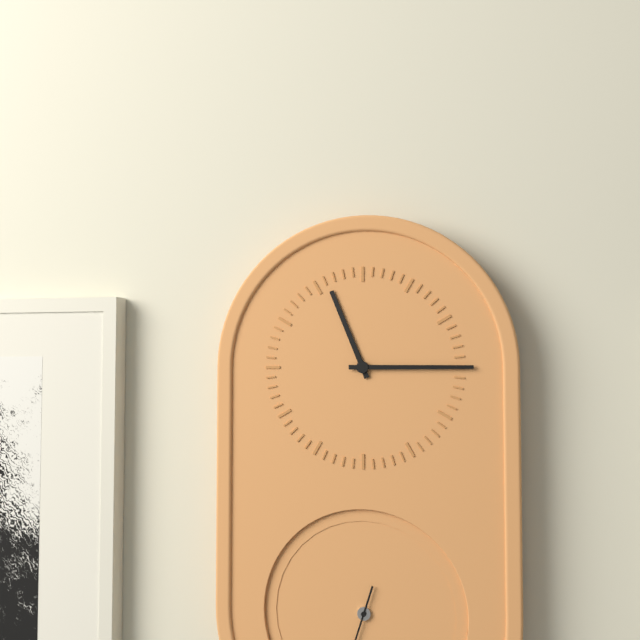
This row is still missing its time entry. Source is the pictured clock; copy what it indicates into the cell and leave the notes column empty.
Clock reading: 11:15
